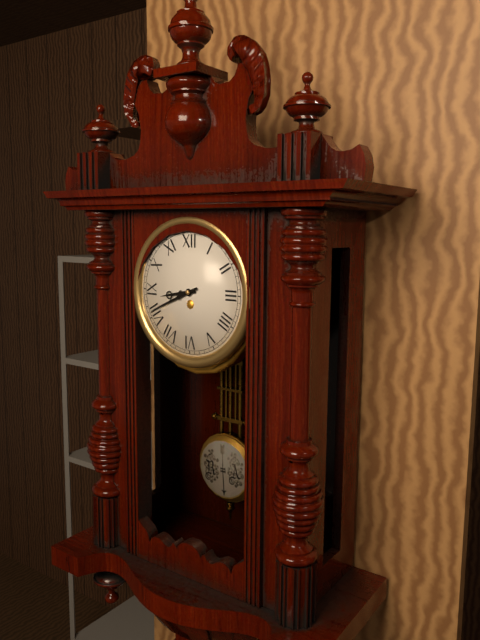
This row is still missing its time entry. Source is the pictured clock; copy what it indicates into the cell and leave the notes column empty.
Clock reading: 8:41
